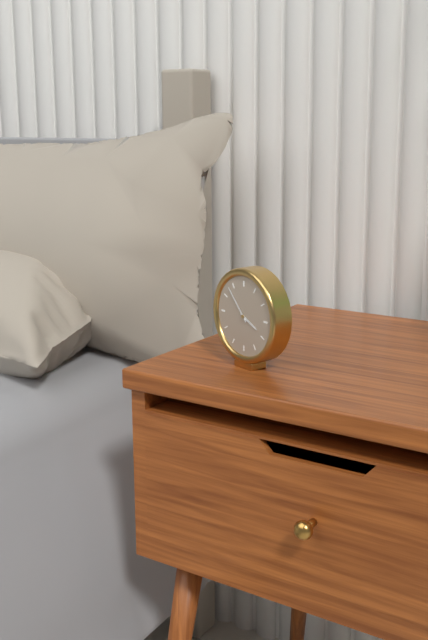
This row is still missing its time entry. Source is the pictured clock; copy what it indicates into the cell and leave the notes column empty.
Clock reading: 3:53
